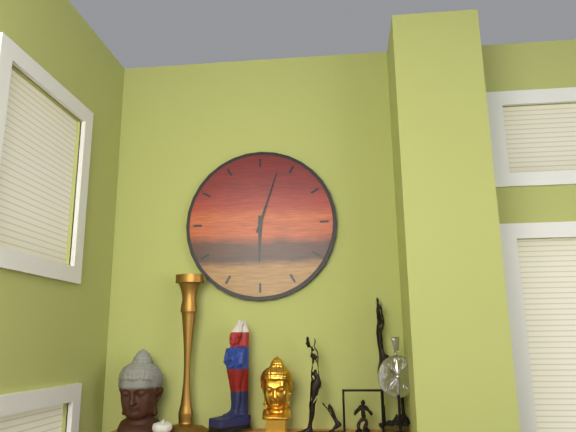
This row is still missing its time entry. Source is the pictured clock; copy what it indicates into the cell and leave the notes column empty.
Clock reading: 6:03
